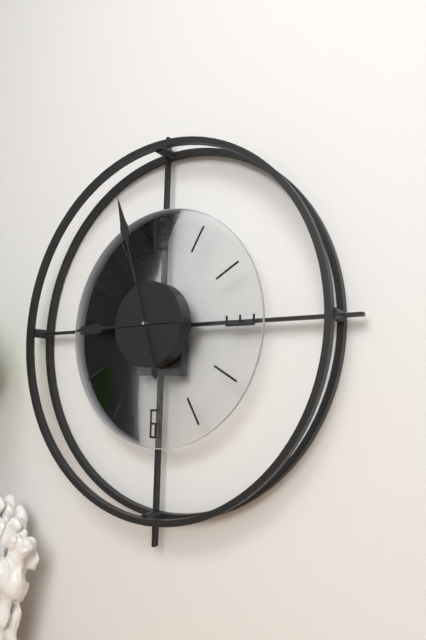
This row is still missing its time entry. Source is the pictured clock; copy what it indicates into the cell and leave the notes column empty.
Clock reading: 8:57
